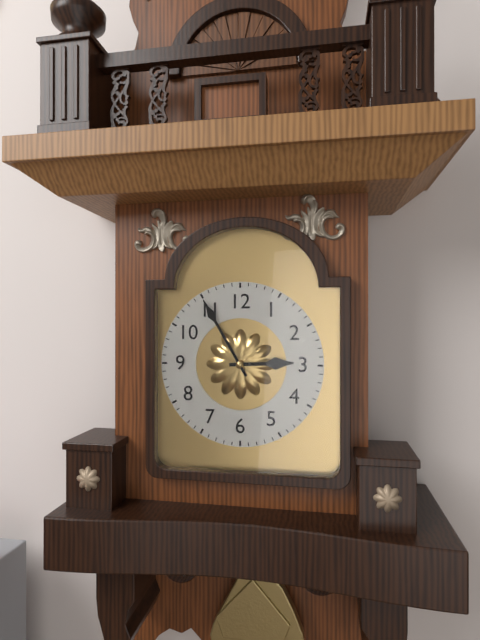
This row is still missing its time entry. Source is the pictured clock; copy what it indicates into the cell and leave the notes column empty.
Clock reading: 2:55
